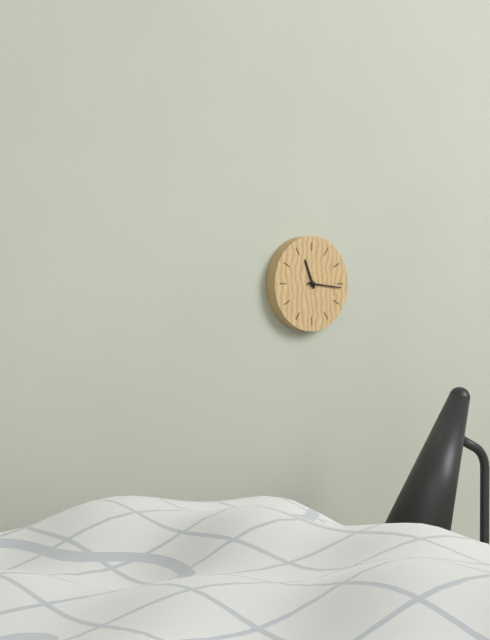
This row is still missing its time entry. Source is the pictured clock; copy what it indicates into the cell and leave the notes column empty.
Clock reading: 11:16
